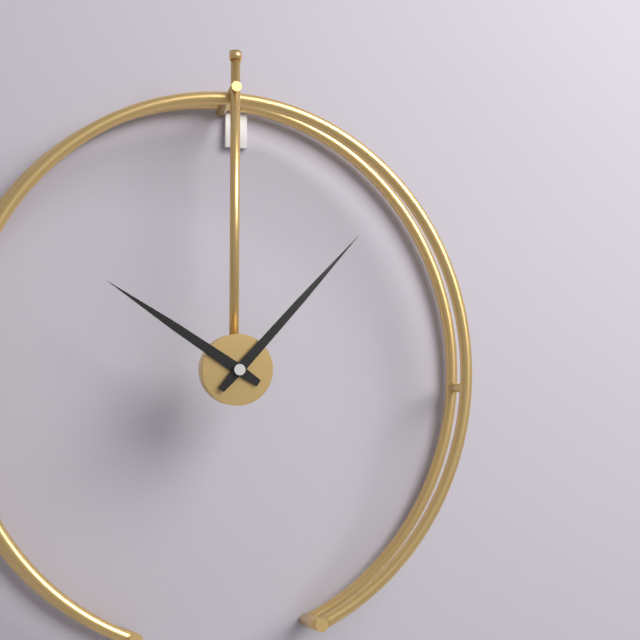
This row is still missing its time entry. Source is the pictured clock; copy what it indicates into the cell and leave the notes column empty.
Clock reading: 10:07
